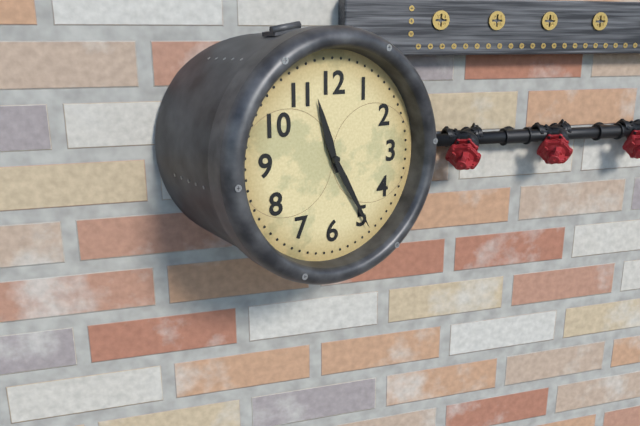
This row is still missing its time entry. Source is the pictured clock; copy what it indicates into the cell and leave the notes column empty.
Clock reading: 11:25
